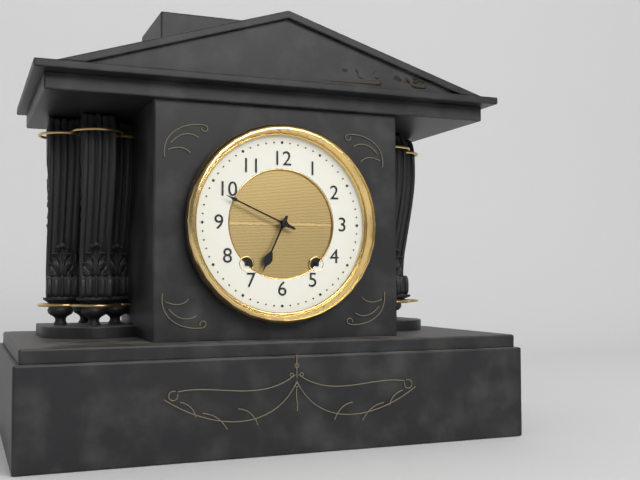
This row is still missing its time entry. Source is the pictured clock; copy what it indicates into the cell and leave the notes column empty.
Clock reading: 6:49
